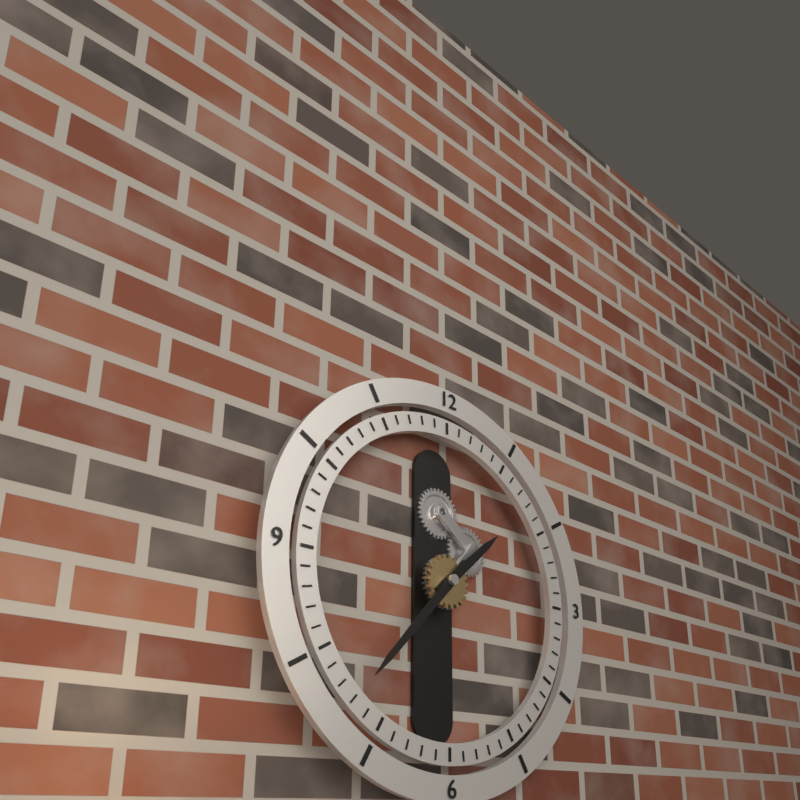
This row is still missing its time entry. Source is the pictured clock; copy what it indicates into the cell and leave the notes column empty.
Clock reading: 1:37
